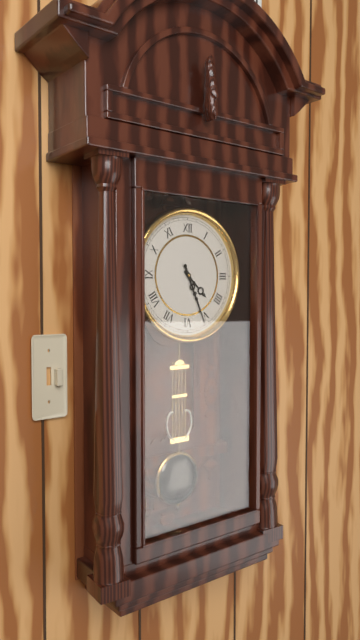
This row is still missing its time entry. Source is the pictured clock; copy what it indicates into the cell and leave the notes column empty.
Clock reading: 4:26
